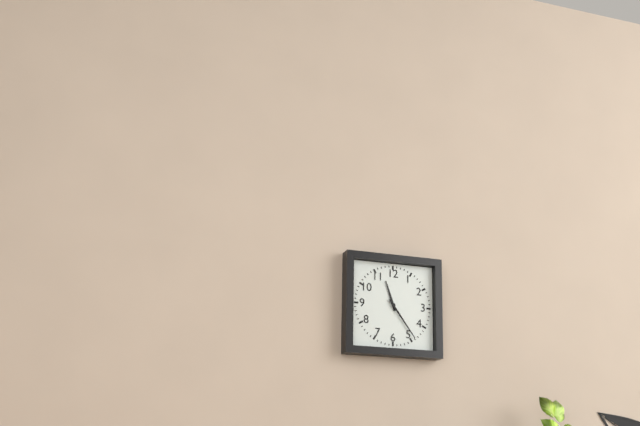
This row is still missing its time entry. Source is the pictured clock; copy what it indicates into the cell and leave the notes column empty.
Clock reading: 11:24
